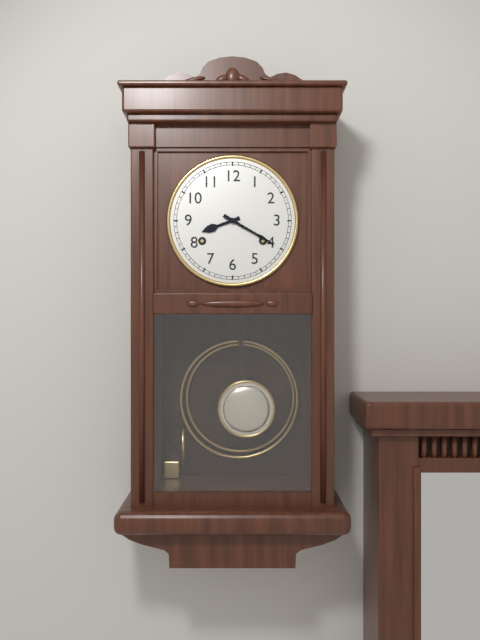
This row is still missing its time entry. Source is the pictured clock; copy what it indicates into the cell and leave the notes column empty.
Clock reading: 8:20
